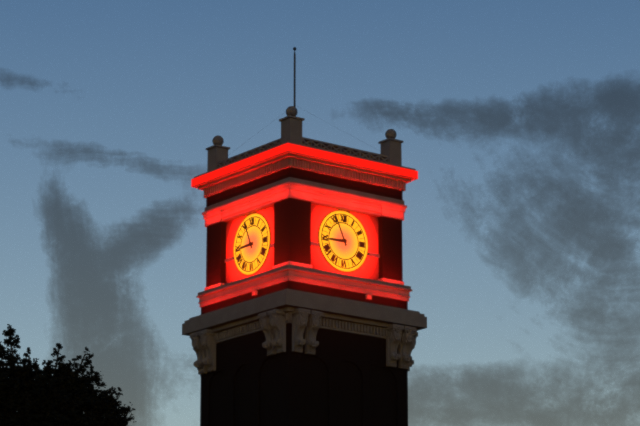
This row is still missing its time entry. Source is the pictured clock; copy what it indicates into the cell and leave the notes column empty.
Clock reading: 8:56
